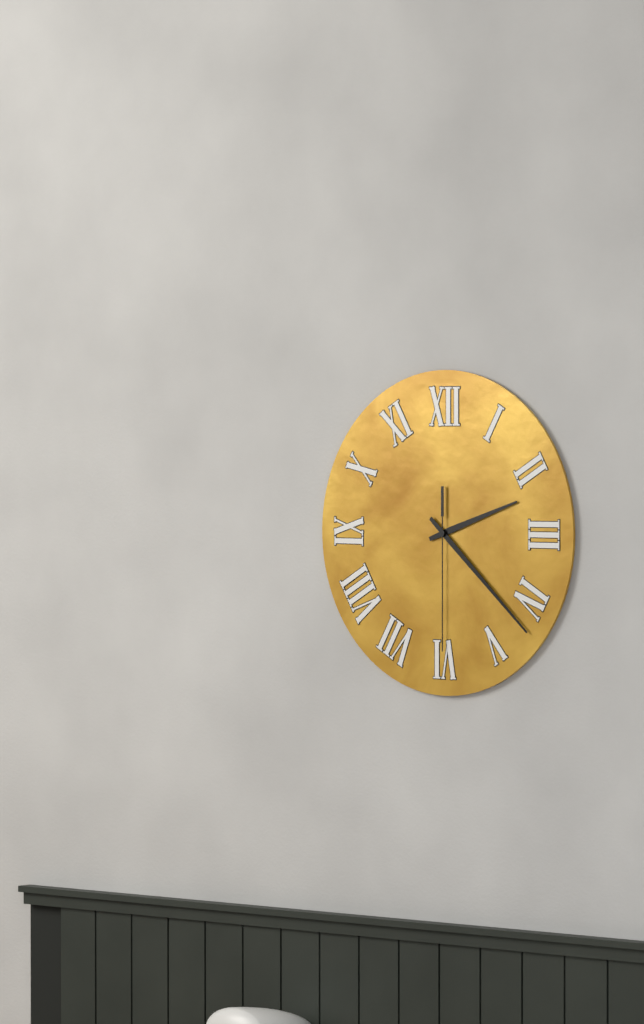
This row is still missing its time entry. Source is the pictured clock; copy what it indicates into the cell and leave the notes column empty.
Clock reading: 2:22:30
